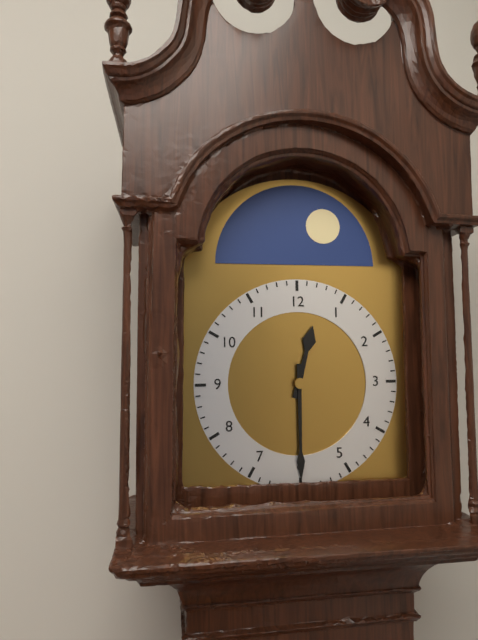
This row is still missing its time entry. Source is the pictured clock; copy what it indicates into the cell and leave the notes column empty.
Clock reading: 12:30
